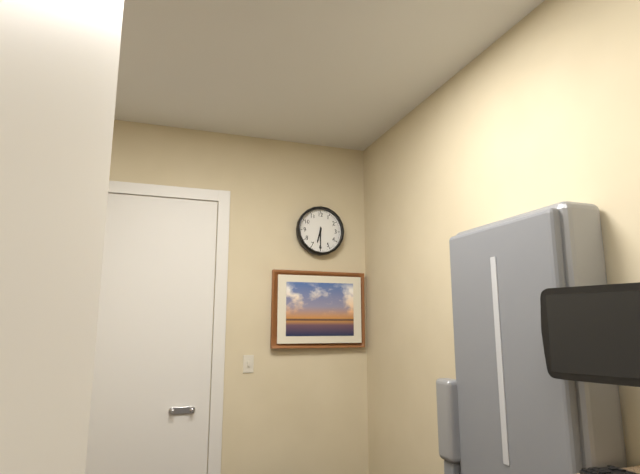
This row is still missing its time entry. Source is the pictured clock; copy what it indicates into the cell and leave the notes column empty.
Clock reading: 6:30
